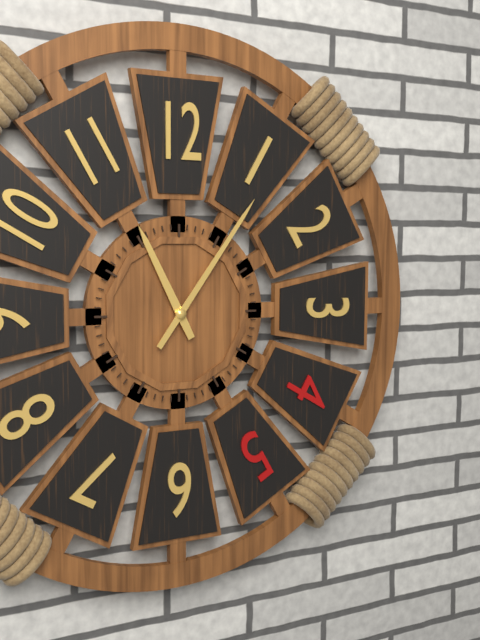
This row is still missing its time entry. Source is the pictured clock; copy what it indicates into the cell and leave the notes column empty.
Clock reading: 11:06
